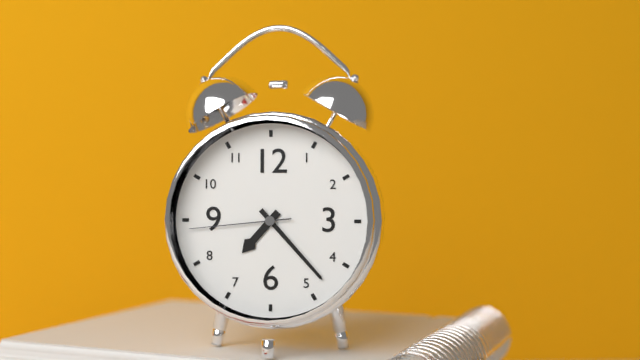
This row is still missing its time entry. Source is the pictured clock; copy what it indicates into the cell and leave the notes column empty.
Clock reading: 7:23:44
